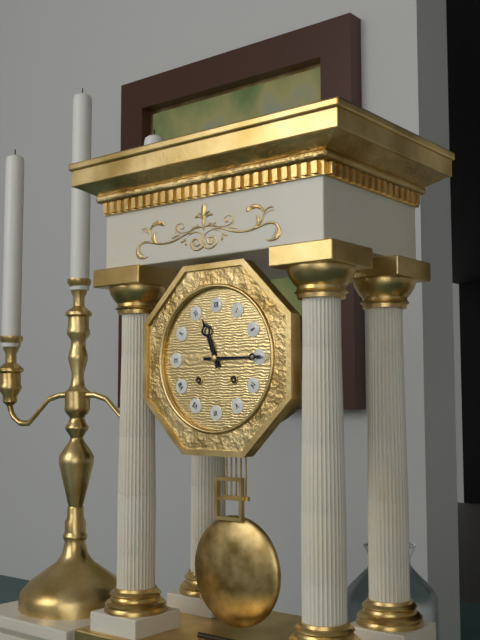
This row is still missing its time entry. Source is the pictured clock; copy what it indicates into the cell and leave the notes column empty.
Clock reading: 11:15
